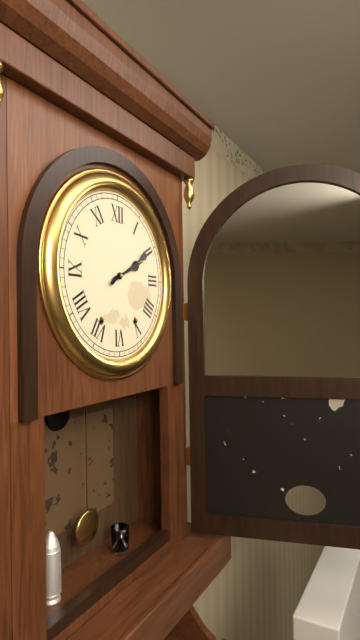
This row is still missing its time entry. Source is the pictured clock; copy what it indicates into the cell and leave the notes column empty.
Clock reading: 2:10
